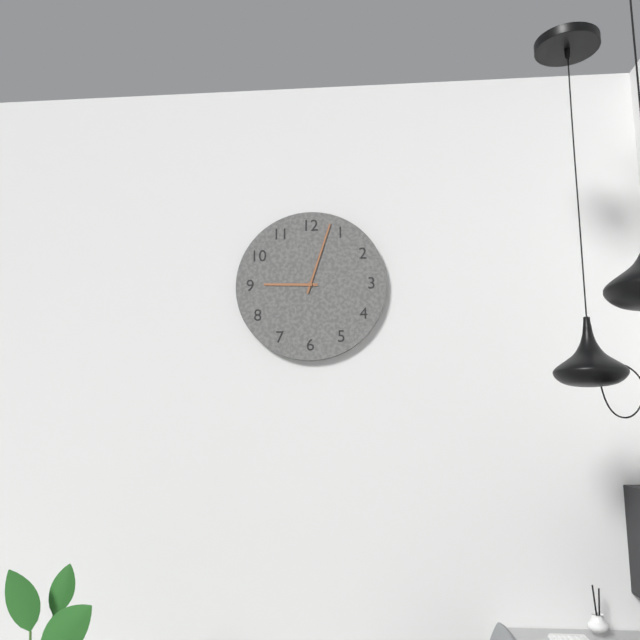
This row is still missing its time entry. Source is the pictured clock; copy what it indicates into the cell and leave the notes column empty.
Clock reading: 9:03
